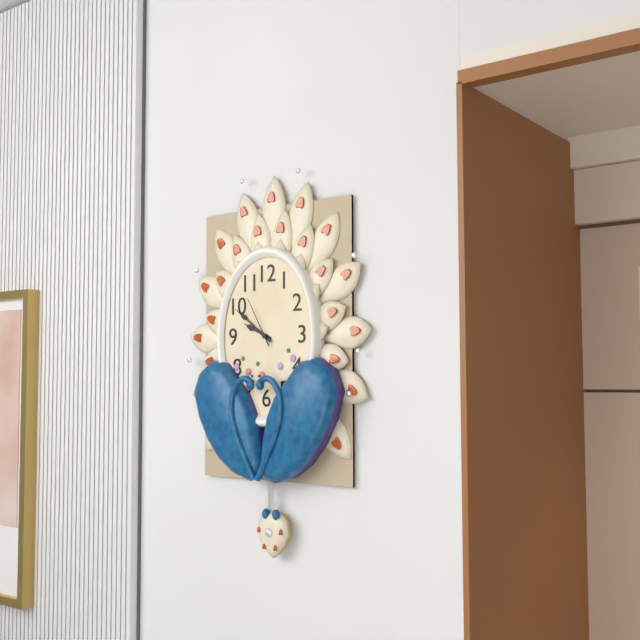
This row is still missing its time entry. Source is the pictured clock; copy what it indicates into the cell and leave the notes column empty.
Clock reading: 9:51:55
